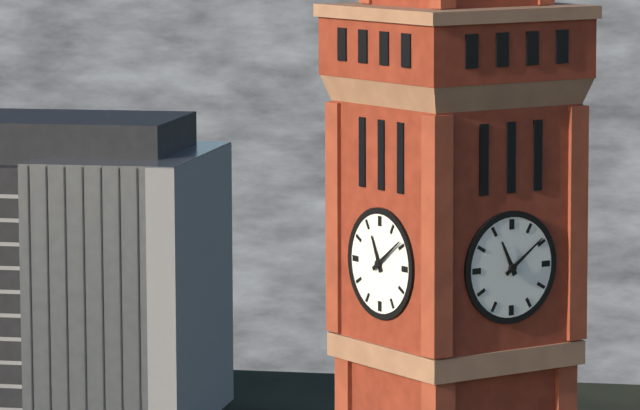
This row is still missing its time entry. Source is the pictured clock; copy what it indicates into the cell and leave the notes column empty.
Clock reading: 11:09
